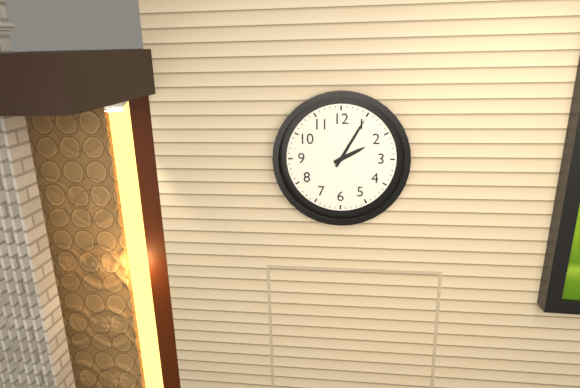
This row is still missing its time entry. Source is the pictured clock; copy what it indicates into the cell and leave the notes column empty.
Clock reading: 2:05
